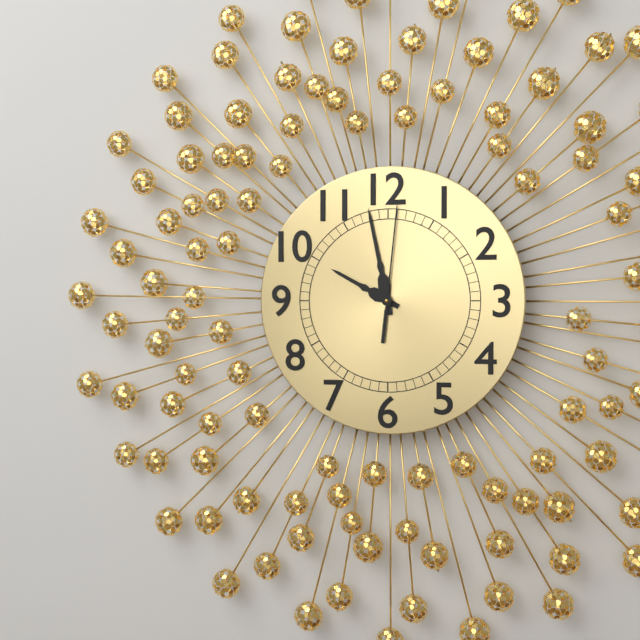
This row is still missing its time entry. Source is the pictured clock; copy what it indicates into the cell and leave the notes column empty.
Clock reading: 9:58:01
